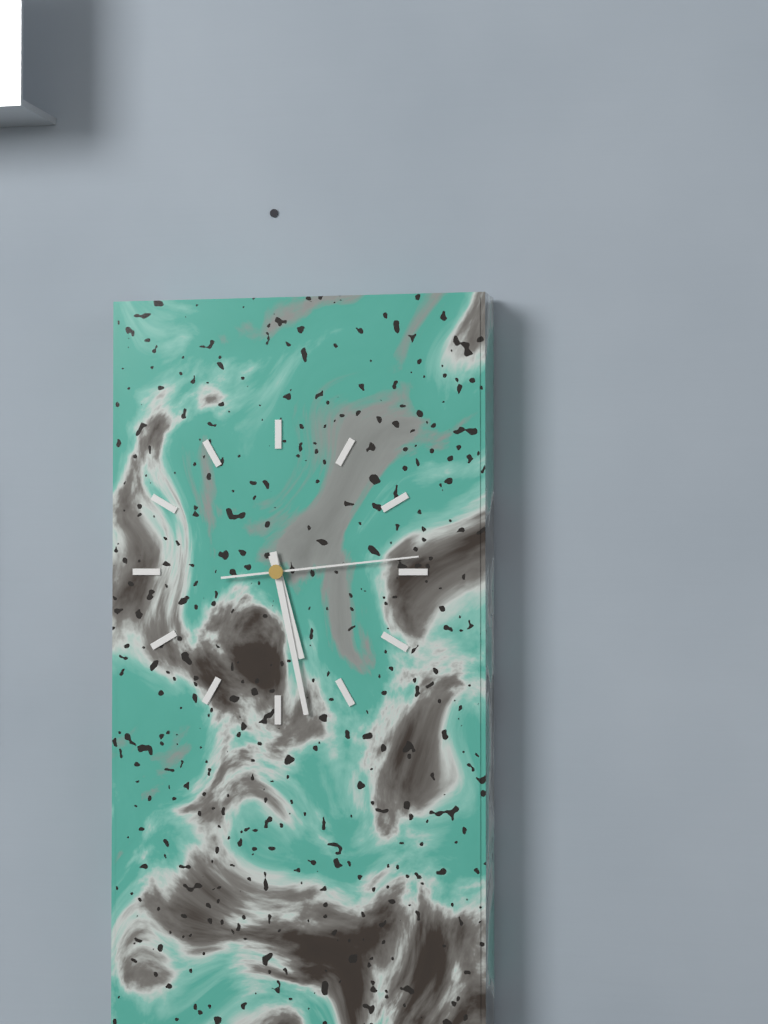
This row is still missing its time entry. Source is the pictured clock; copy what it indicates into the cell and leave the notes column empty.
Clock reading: 5:28:14
